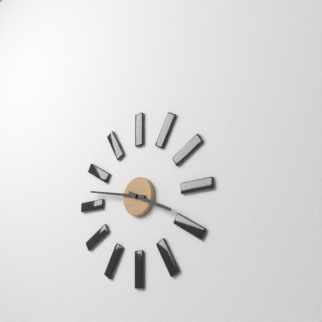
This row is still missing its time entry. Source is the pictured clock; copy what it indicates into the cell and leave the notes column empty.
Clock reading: 3:47
